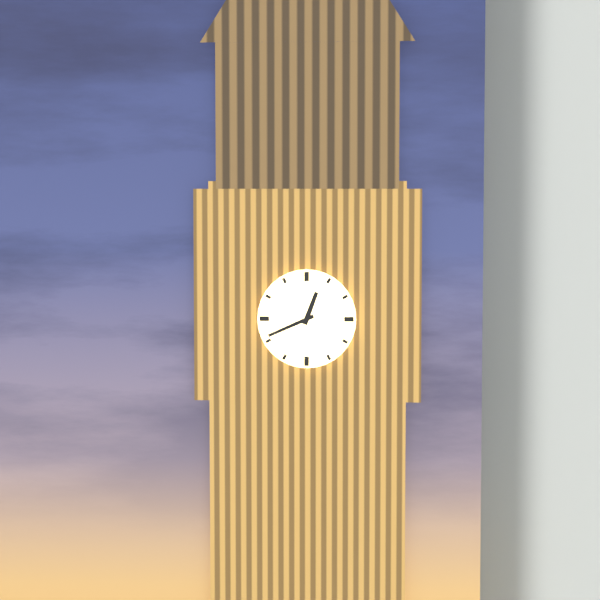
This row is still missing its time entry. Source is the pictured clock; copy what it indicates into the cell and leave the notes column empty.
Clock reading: 12:41
